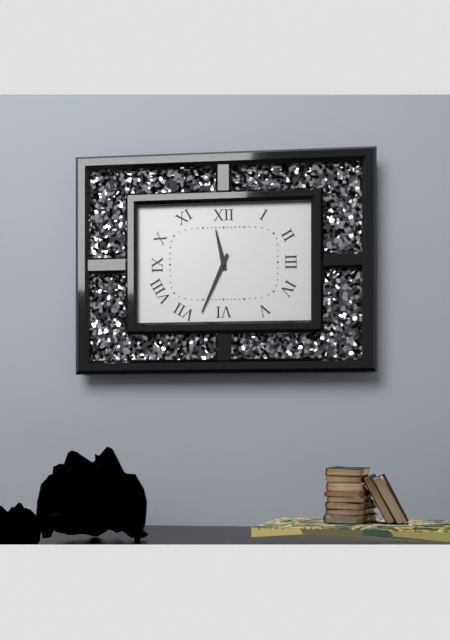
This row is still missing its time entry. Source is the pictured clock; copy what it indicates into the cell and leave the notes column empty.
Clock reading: 11:34
